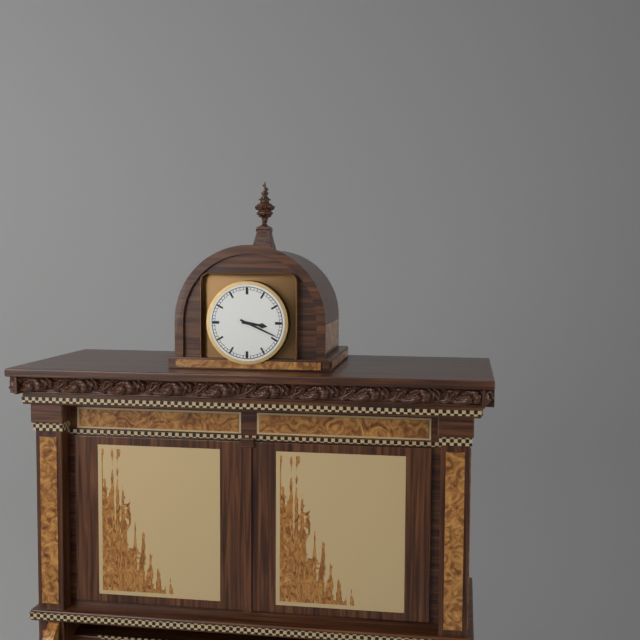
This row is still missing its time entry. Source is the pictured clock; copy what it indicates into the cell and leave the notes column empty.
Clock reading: 3:19
